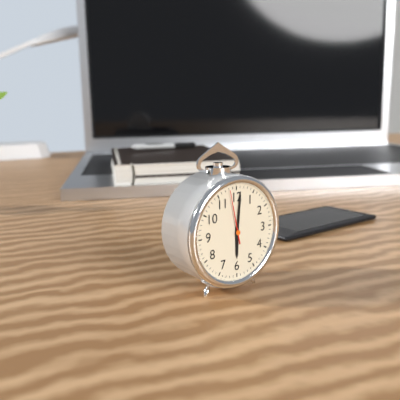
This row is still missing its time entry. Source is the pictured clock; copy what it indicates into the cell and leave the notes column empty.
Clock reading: 6:01:58
